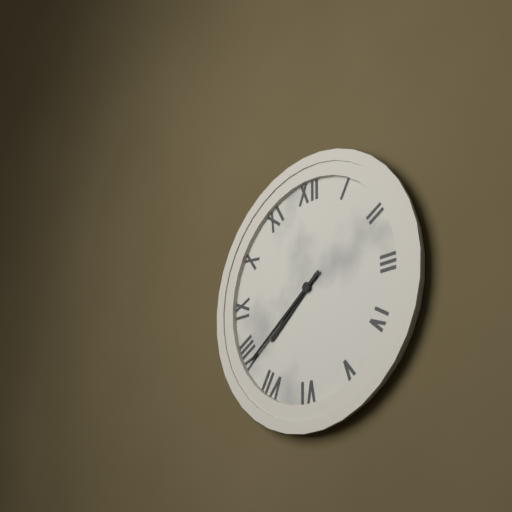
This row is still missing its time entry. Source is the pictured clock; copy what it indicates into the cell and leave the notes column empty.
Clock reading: 7:39
